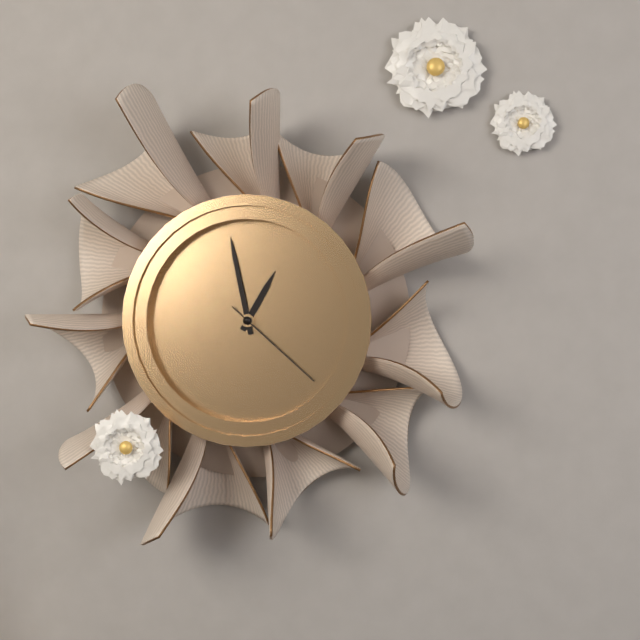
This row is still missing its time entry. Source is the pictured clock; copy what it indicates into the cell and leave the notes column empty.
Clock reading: 12:58:22
